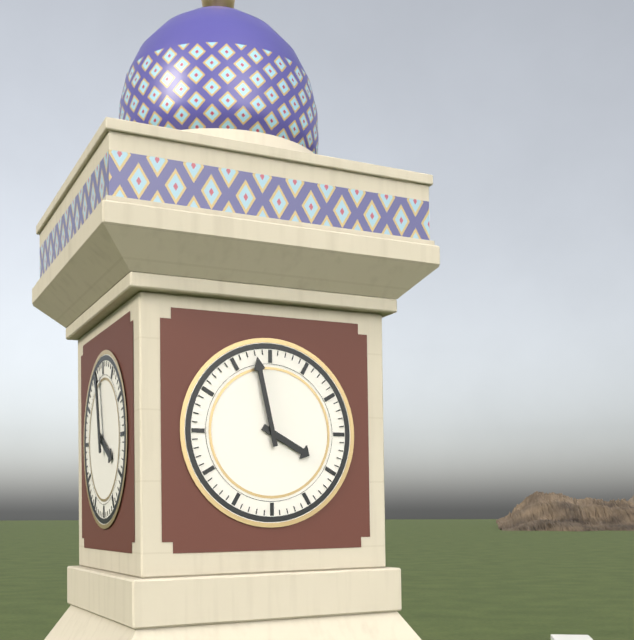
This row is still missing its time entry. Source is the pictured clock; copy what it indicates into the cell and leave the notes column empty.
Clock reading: 3:58
